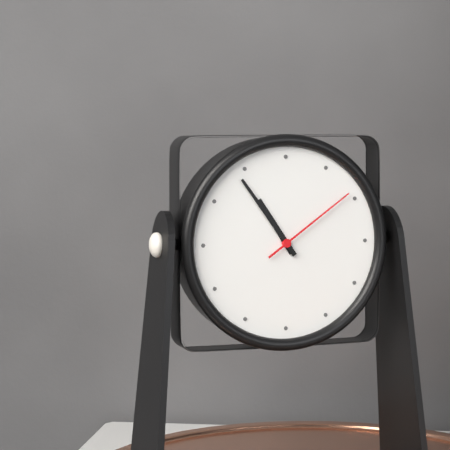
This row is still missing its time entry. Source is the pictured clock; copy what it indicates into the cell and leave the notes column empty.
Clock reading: 10:54:09
